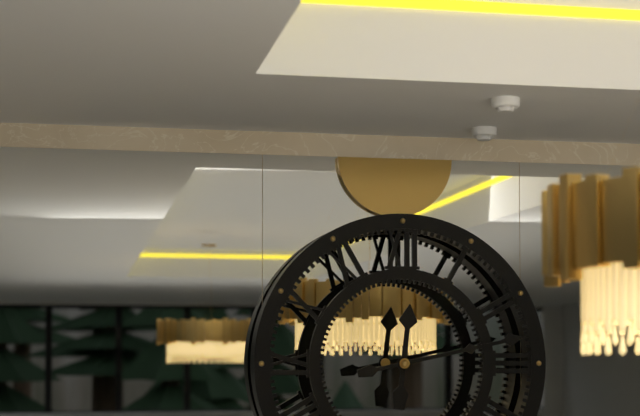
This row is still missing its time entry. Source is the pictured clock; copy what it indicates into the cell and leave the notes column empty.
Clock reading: 12:13
